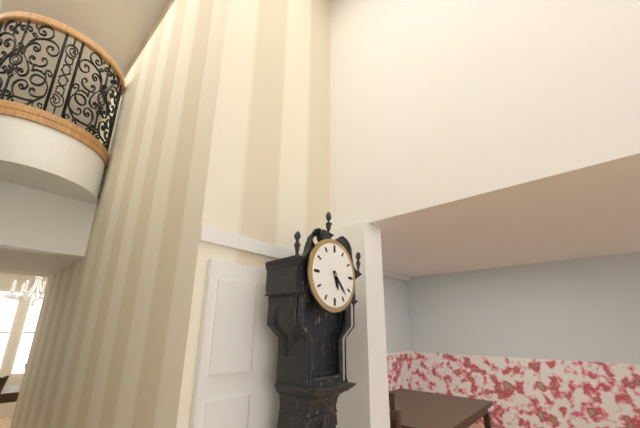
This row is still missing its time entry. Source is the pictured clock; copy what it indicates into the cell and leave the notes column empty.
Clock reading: 5:23
